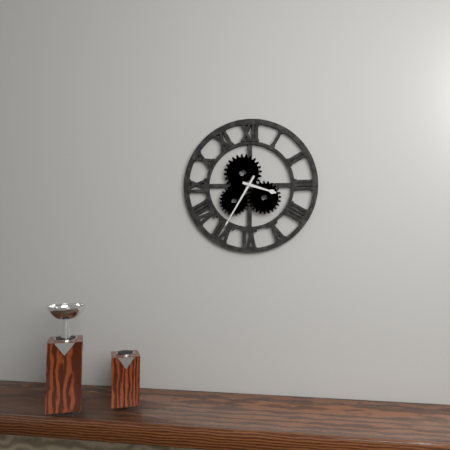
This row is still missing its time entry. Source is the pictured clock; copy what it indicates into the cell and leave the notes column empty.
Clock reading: 3:35
